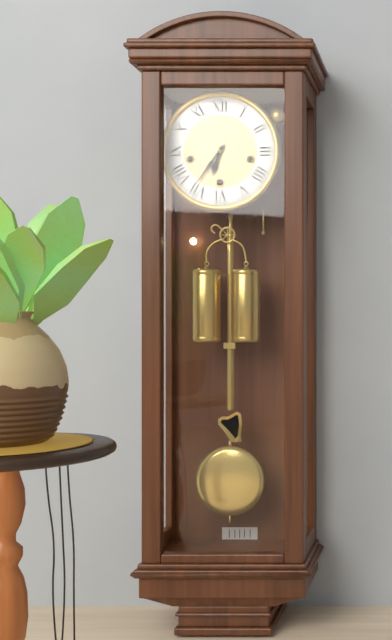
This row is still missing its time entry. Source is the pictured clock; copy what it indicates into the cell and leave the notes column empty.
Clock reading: 6:36
